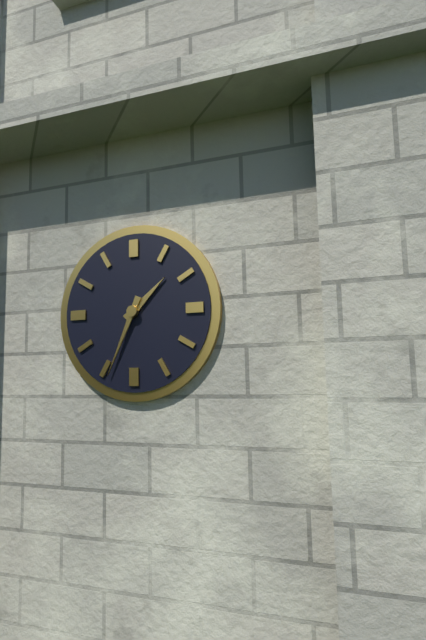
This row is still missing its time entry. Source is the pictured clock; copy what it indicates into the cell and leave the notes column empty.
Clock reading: 1:34
